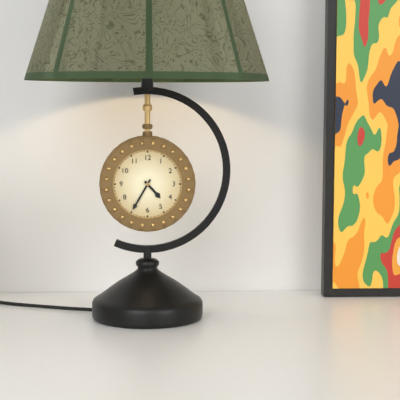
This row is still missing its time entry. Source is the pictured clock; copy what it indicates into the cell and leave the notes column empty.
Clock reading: 4:35
